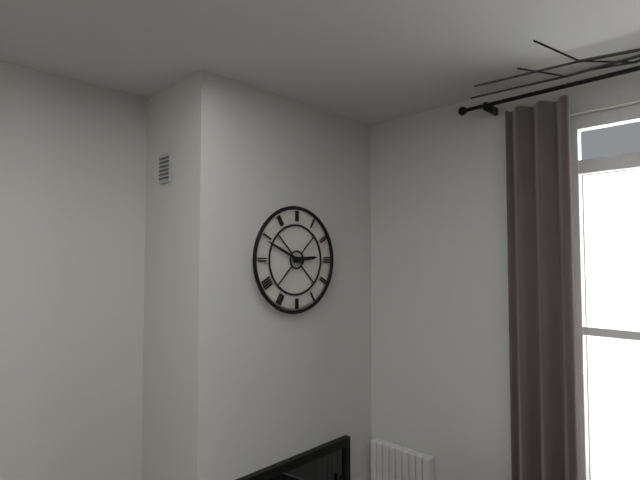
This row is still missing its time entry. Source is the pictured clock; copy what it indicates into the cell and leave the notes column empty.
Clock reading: 2:49
